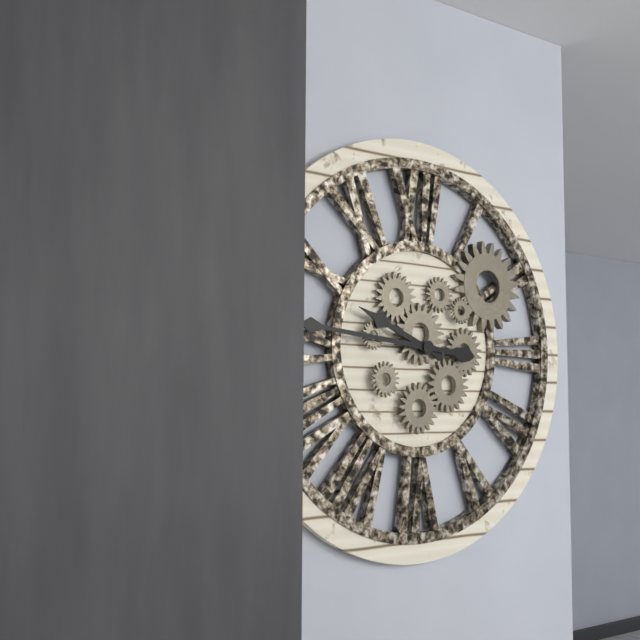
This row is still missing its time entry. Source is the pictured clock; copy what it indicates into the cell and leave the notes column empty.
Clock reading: 9:46
